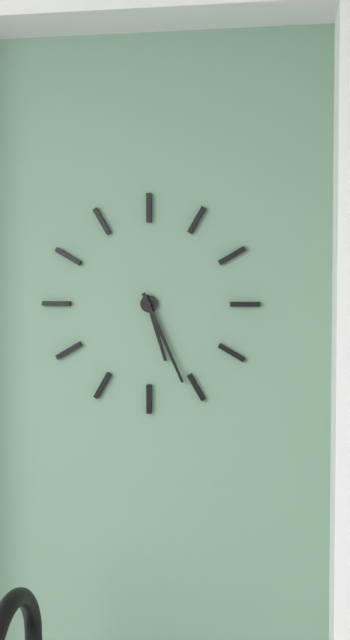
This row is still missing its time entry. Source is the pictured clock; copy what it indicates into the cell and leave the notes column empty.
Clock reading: 5:26
